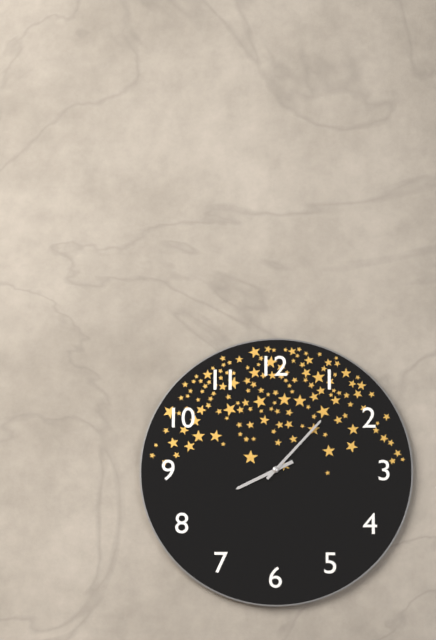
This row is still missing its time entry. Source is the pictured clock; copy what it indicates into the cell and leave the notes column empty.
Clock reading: 8:07
